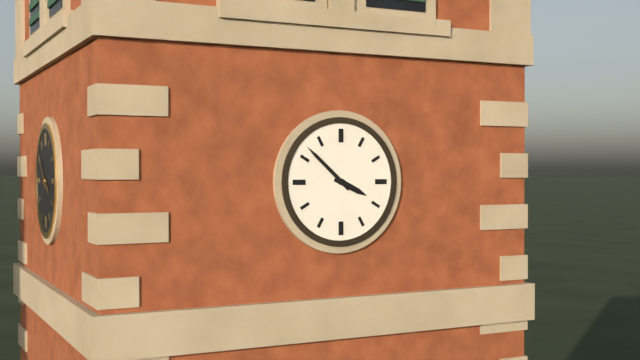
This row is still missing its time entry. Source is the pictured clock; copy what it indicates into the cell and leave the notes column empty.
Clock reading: 3:52
